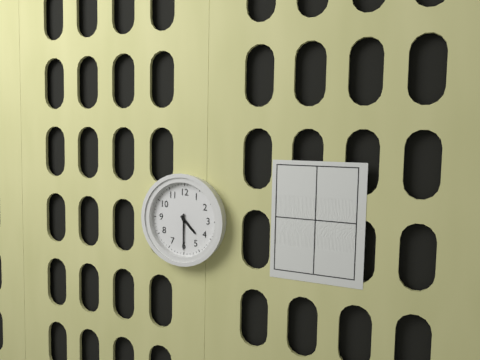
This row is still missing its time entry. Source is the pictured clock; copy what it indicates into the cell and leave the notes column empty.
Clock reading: 4:30
